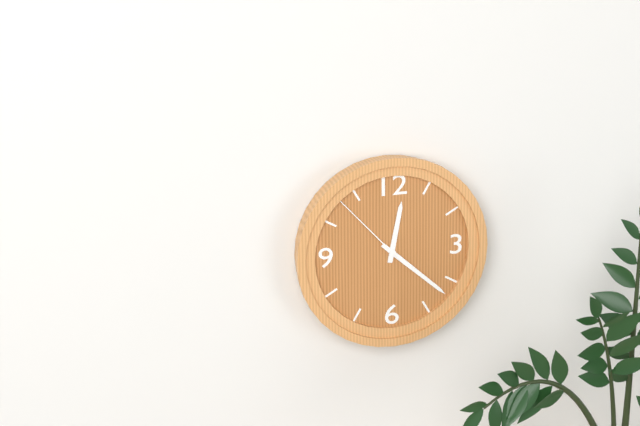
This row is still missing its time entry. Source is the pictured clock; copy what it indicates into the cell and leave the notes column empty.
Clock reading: 12:22:53
